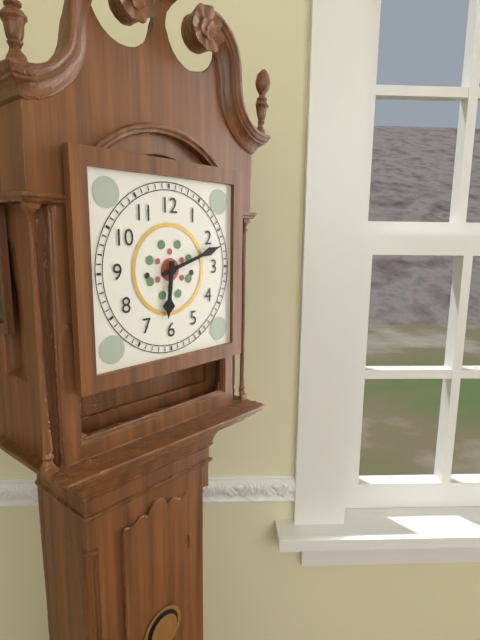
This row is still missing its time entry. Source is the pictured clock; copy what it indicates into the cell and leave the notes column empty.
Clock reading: 6:12
